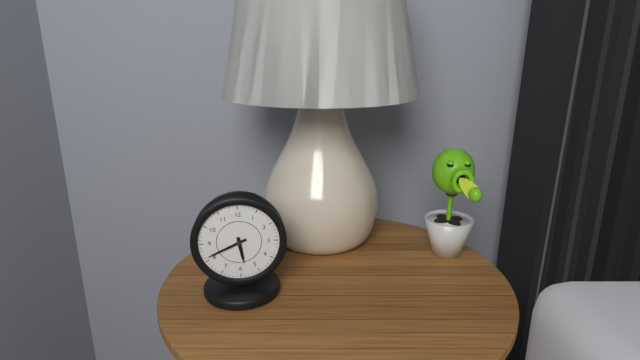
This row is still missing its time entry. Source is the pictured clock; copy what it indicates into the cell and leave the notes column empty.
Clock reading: 5:41
